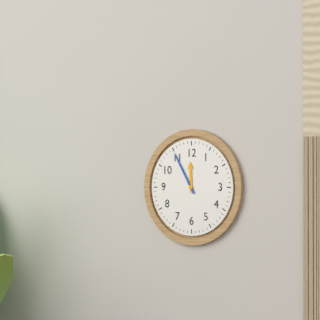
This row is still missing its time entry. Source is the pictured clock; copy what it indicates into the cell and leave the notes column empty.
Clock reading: 11:55
